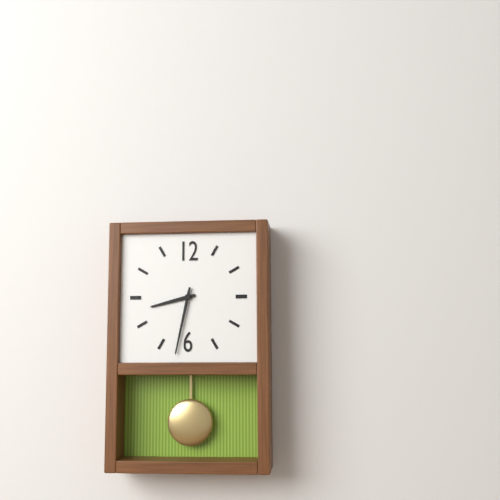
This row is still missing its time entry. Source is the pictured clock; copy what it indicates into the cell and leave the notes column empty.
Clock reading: 8:32
